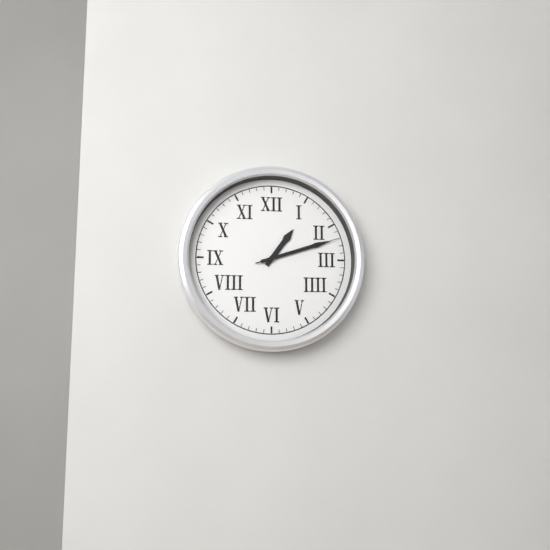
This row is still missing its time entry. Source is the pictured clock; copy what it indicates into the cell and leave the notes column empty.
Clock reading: 1:12:12
